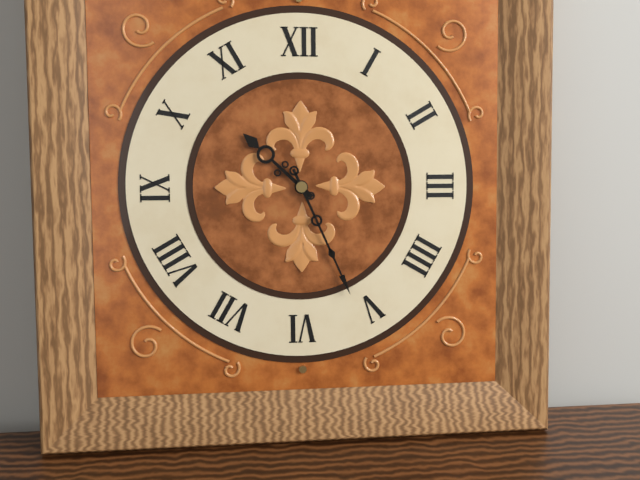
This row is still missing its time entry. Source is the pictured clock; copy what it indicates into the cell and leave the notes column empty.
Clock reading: 10:26
